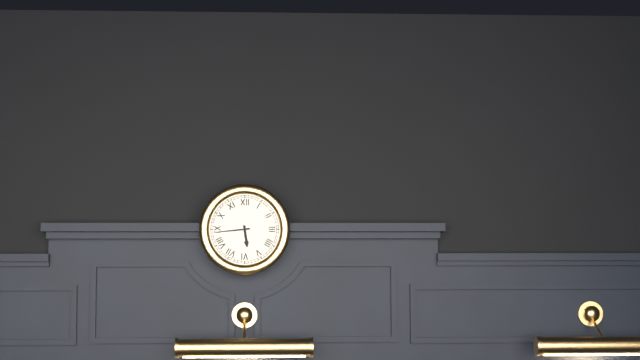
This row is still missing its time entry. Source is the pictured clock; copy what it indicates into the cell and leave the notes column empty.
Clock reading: 5:44
